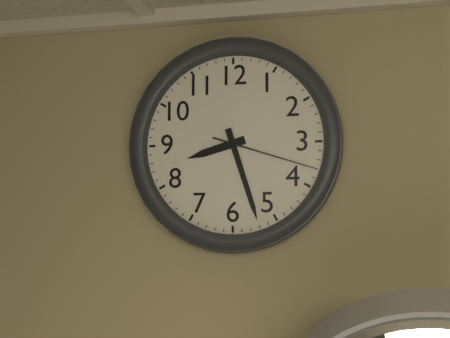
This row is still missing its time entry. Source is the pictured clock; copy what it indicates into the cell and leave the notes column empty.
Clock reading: 8:27:18
